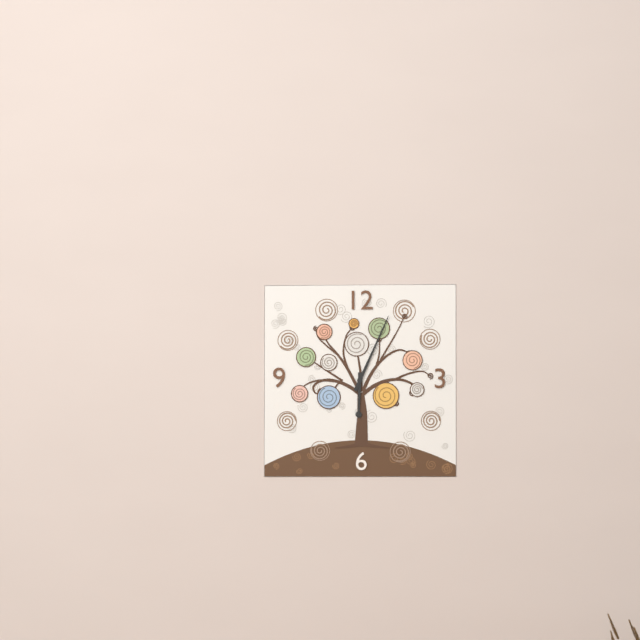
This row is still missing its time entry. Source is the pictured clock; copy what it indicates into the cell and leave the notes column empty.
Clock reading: 6:04
